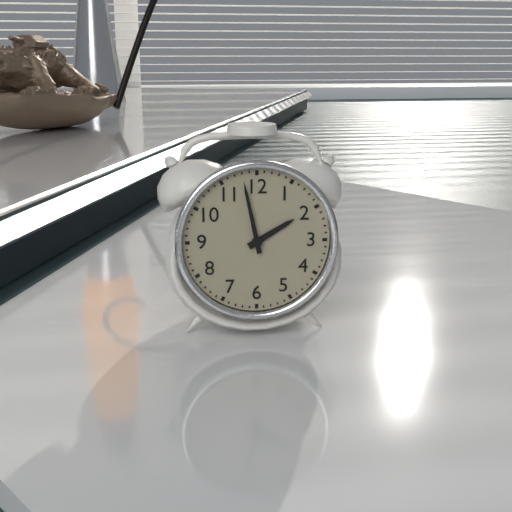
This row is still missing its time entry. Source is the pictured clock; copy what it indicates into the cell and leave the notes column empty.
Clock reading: 1:58
